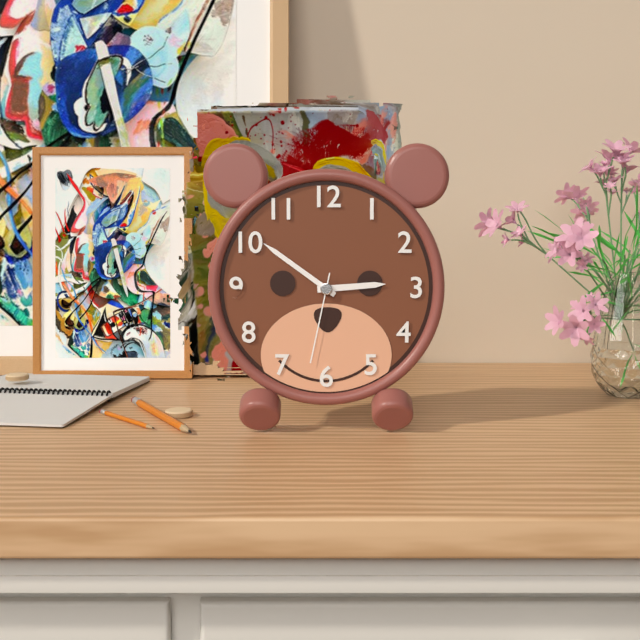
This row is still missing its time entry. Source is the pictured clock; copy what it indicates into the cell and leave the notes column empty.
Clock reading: 2:51:32
